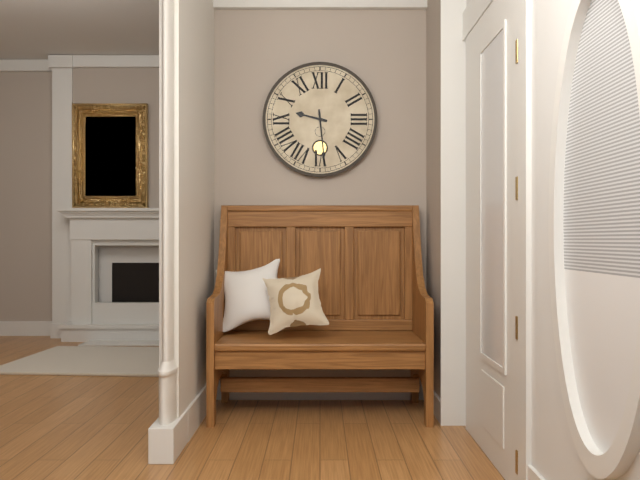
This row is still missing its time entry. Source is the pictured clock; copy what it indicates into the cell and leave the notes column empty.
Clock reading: 9:29
